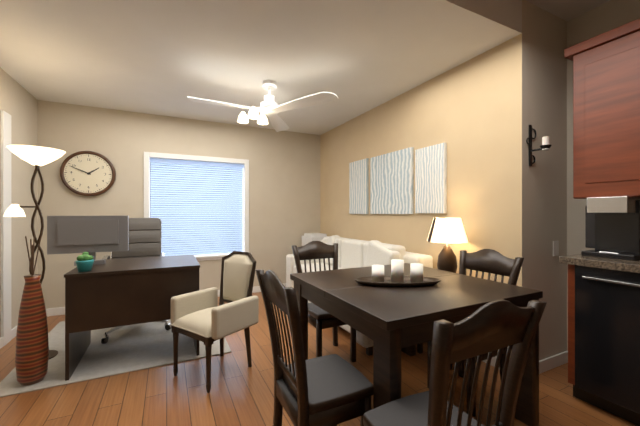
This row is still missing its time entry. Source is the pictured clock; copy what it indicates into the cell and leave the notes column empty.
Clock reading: 1:49
